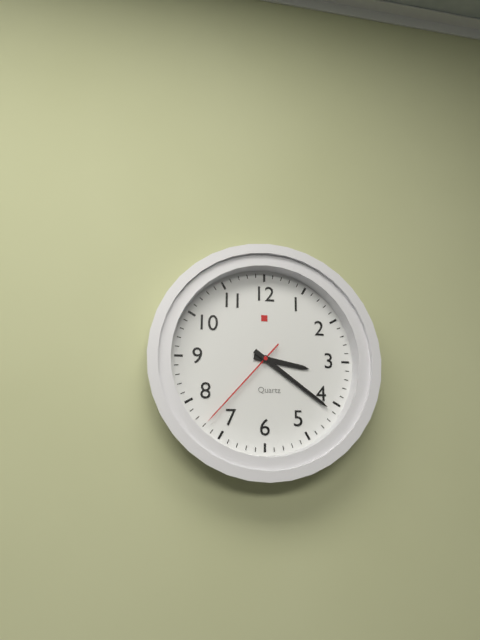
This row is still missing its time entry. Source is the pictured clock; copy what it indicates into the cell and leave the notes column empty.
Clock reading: 3:21:37
